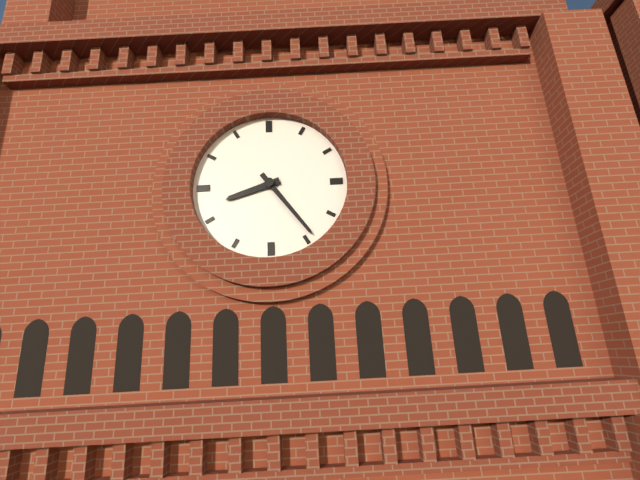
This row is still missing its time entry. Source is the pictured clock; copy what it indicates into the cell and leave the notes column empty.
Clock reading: 8:24
